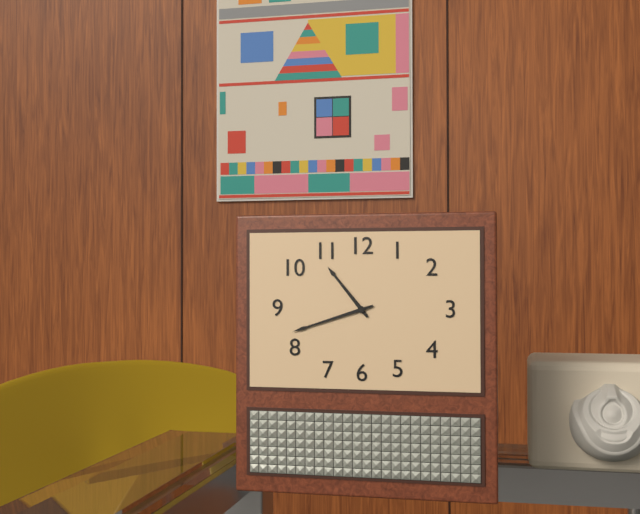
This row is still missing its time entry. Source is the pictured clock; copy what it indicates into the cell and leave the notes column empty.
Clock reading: 10:42
